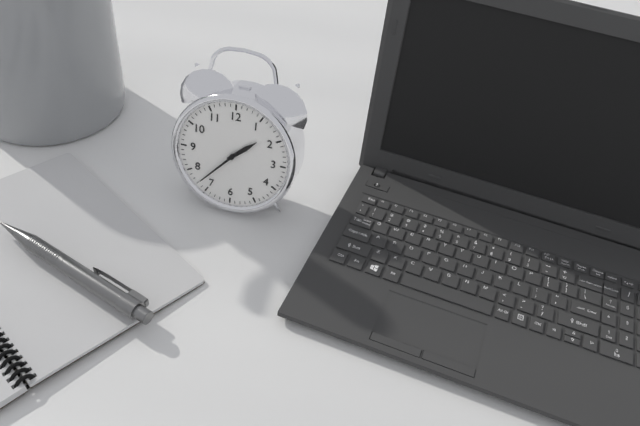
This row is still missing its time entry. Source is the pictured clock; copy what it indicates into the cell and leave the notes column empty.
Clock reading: 1:37
